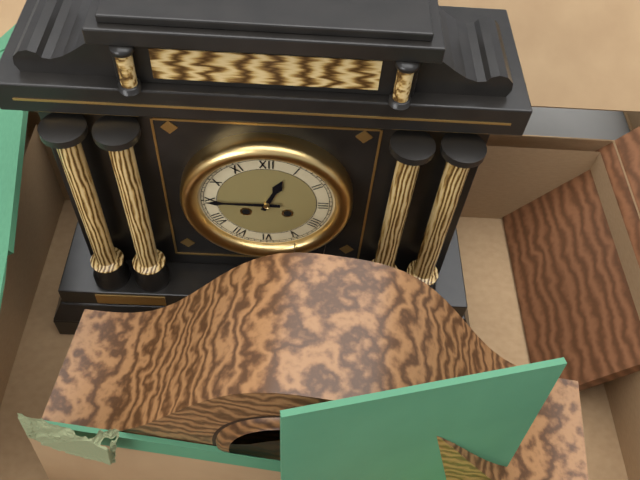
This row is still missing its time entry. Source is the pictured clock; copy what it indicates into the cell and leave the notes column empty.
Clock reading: 12:45
